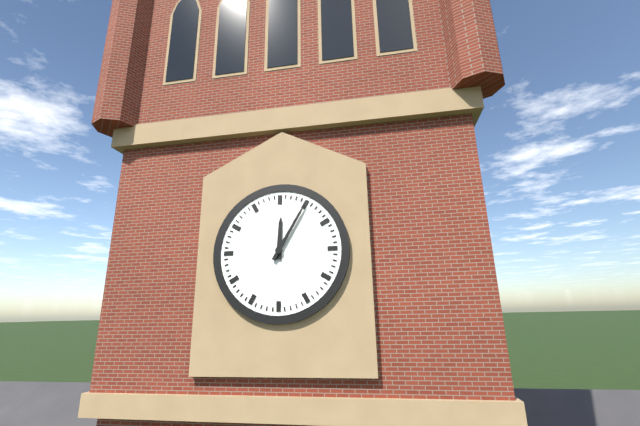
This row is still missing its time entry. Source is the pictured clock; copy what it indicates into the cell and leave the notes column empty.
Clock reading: 12:05
